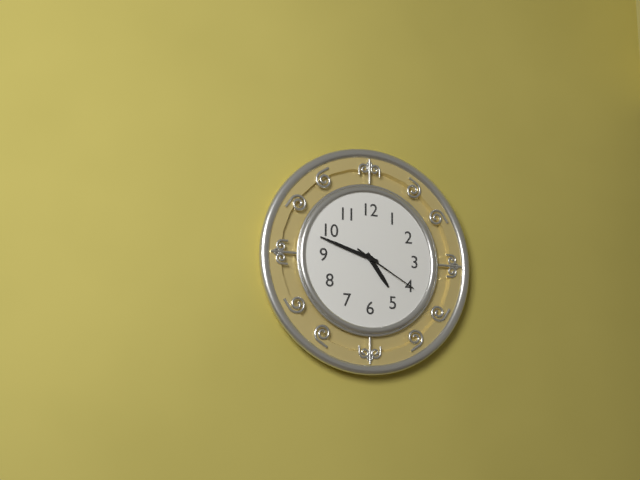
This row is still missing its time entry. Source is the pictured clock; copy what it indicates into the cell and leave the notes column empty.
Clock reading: 4:48:20
